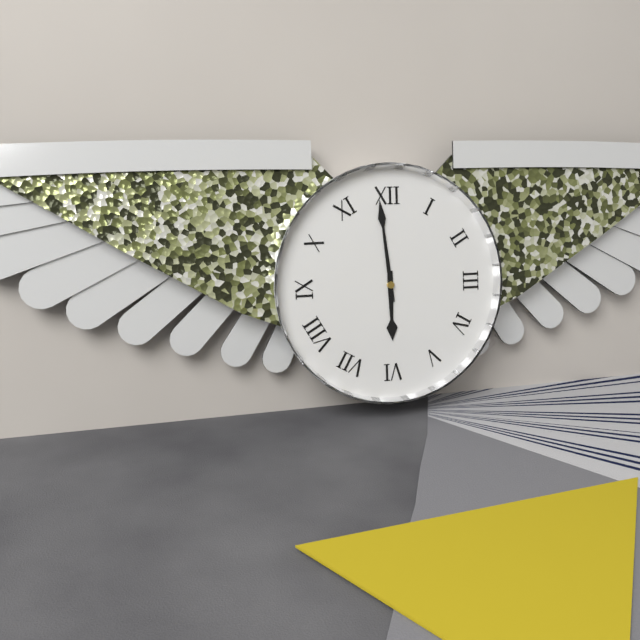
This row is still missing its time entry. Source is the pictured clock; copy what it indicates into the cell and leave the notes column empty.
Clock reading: 5:59
